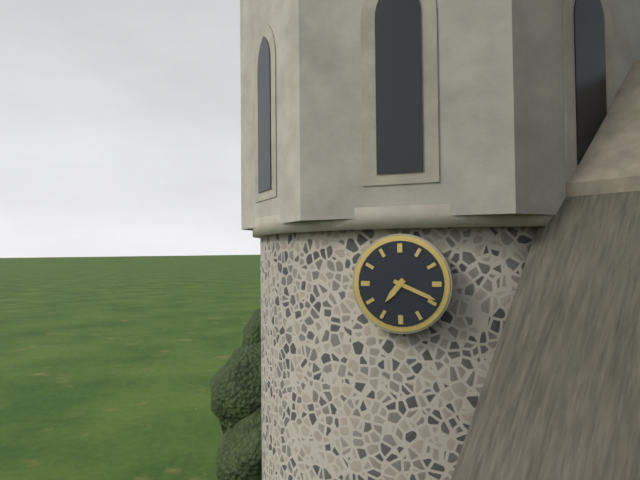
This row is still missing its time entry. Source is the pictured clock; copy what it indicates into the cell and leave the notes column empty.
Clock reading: 7:19
